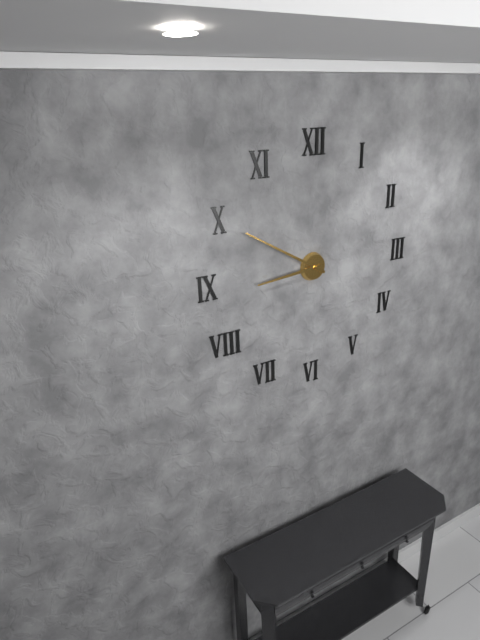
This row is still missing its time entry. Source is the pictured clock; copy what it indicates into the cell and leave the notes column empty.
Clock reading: 8:50
